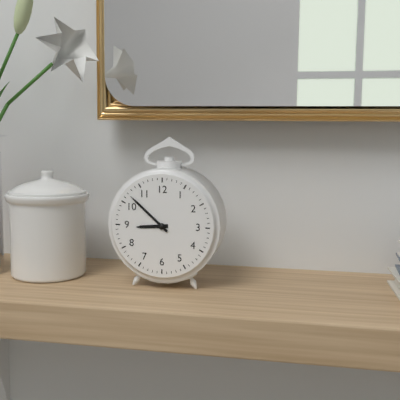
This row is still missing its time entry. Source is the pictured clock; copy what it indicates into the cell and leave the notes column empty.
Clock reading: 8:52
